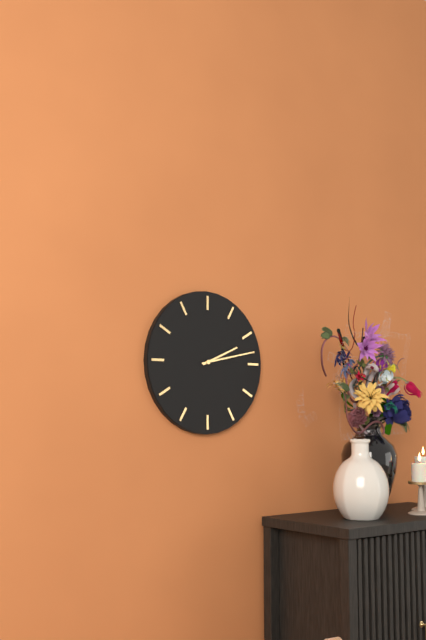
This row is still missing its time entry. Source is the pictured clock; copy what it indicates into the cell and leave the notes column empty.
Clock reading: 2:13
